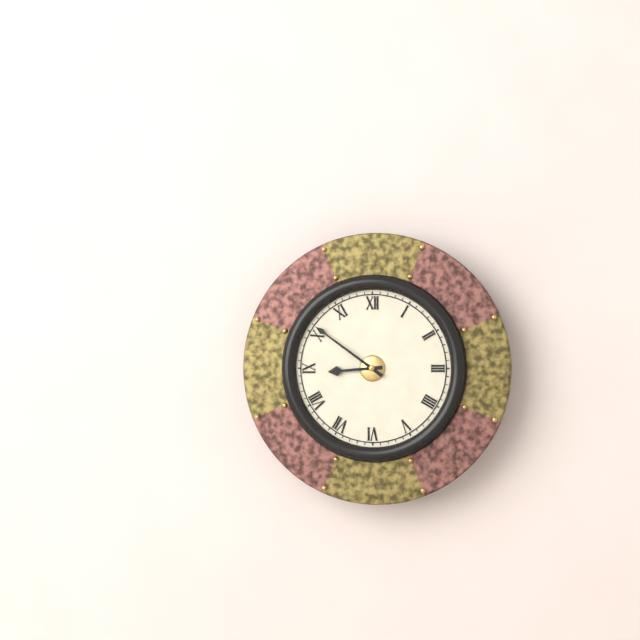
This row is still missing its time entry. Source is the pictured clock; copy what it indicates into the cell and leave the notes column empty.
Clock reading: 8:51
